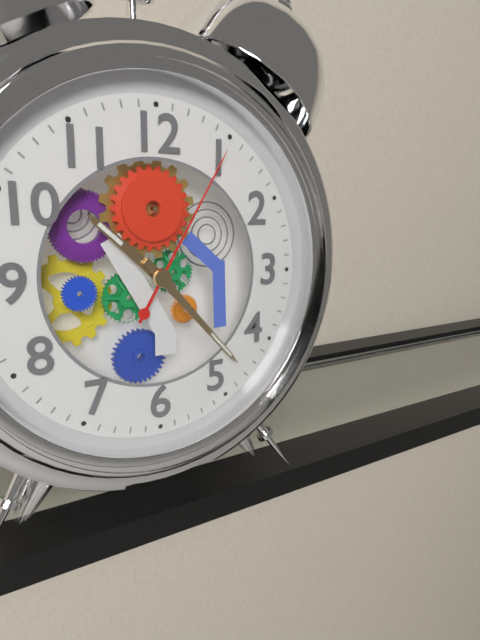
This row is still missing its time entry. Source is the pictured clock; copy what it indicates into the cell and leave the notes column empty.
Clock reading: 10:23:05
